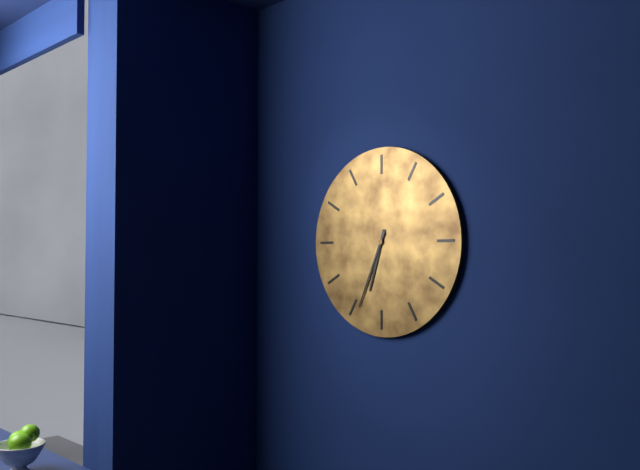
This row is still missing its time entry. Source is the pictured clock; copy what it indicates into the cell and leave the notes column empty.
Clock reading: 6:34
